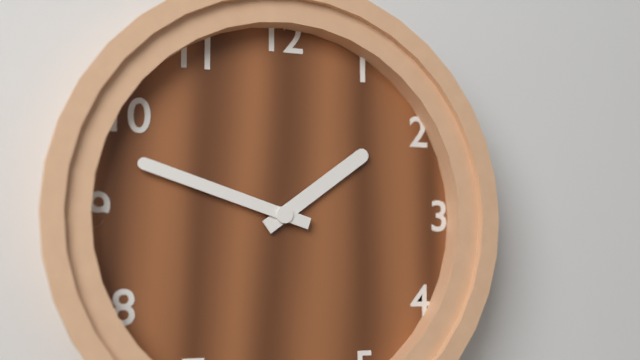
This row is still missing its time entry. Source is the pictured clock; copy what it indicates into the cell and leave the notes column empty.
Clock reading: 1:48
